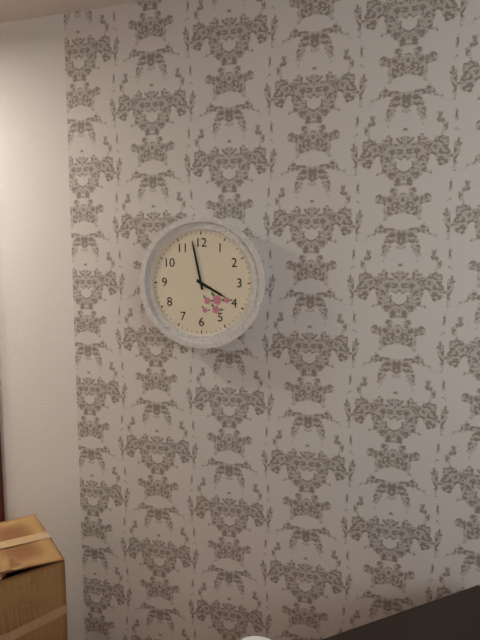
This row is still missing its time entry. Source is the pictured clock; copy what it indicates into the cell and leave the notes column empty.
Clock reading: 3:58
